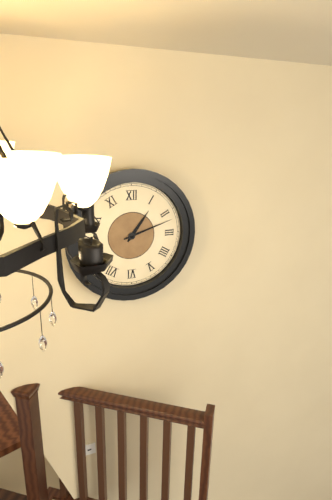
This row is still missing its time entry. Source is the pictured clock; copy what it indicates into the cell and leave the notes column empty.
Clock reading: 1:12
